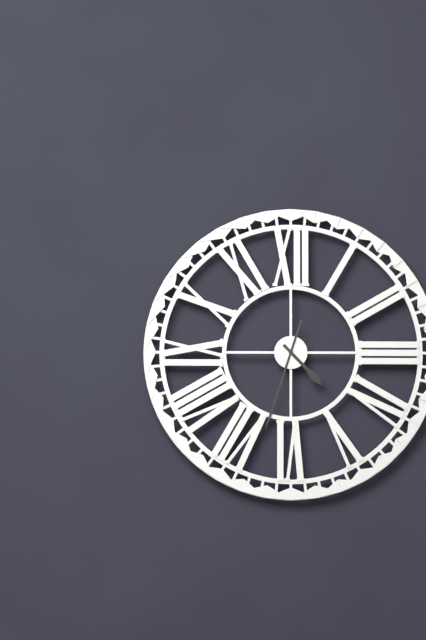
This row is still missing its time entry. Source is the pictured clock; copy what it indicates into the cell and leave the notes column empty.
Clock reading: 4:33
